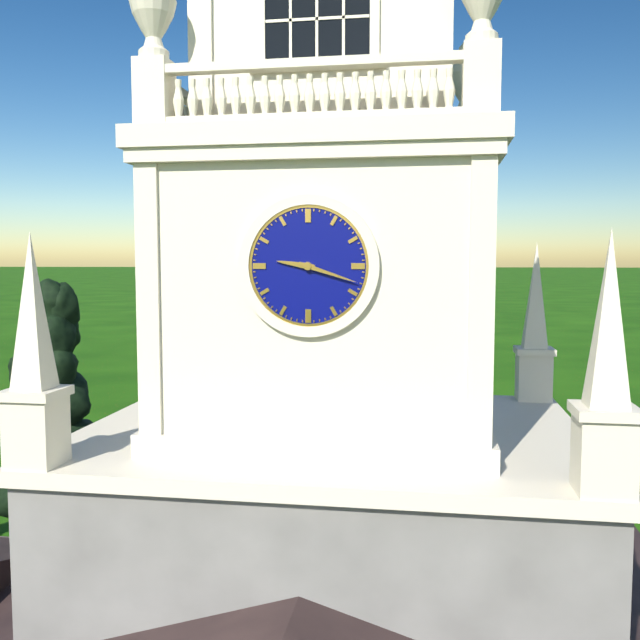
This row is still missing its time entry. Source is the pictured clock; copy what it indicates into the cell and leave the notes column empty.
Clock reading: 9:18
